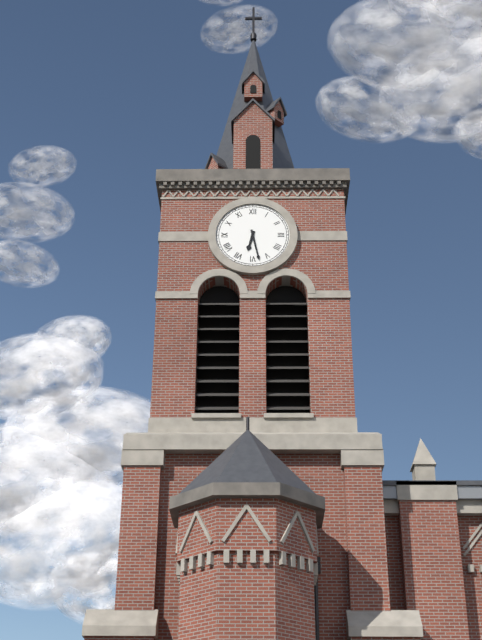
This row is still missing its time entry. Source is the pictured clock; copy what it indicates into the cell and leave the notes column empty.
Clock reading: 6:28
